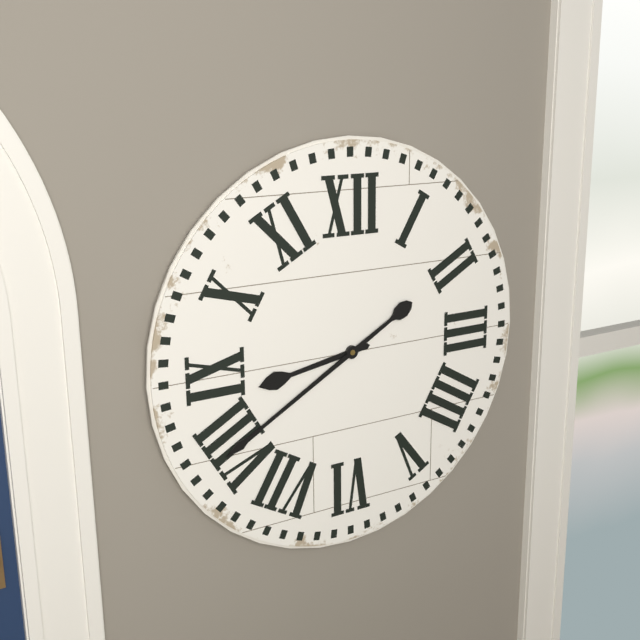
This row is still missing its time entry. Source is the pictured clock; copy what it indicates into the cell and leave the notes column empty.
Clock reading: 8:40
